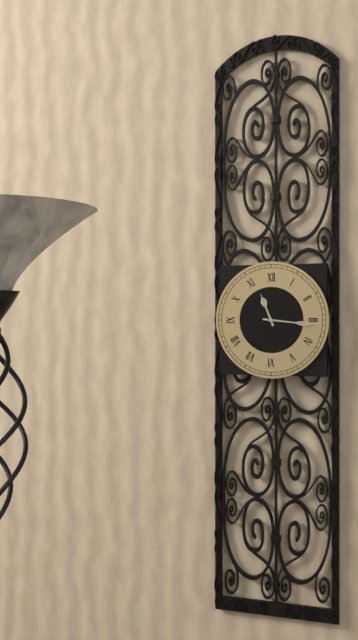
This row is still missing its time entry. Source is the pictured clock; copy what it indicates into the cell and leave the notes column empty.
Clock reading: 11:16
